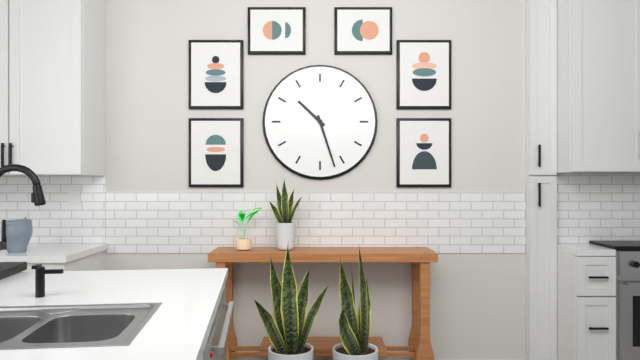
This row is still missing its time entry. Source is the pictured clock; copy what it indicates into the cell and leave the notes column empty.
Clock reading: 10:27
